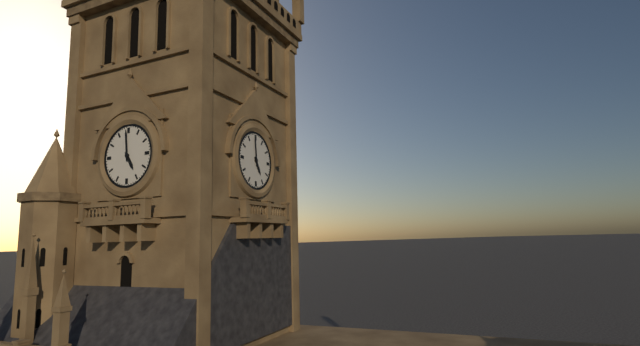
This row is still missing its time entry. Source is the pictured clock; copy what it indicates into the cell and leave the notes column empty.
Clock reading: 4:59
